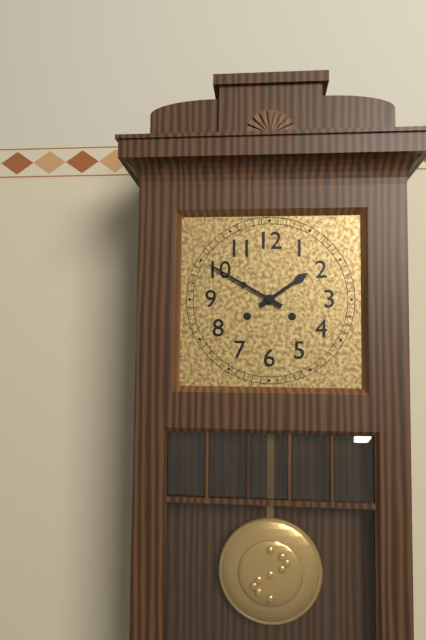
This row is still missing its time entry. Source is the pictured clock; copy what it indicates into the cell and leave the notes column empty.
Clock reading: 1:50
